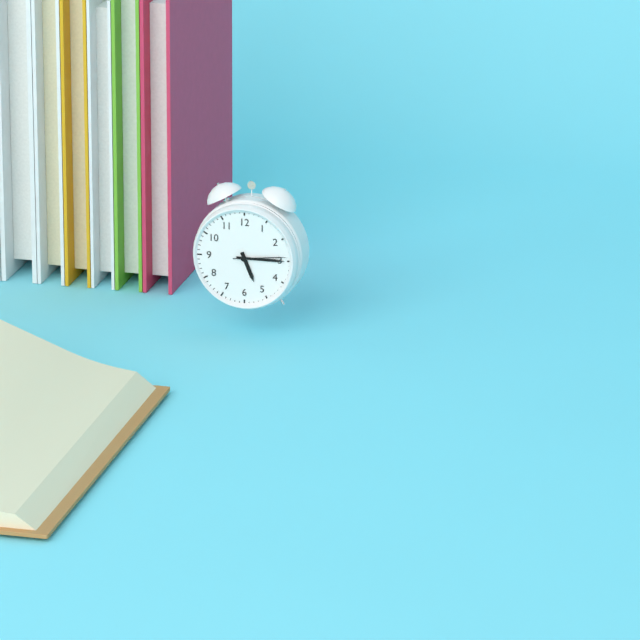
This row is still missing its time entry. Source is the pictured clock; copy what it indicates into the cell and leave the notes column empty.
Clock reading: 5:15:14
